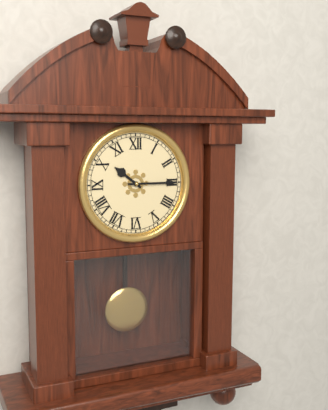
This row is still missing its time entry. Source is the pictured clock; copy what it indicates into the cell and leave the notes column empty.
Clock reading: 10:15
